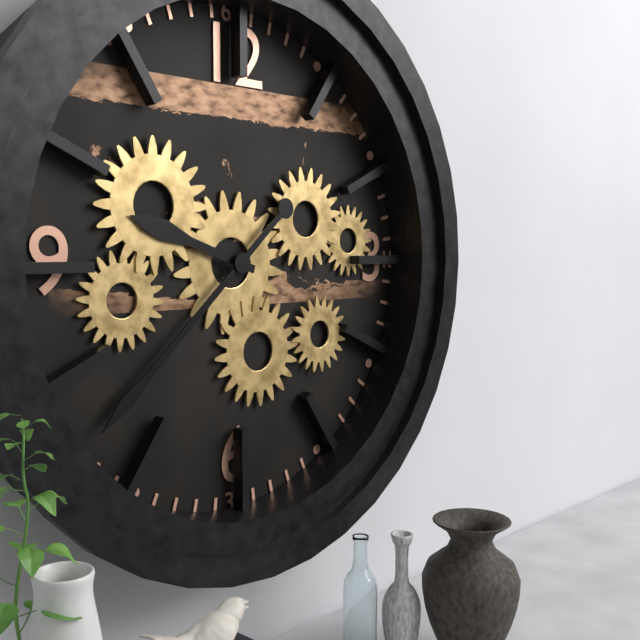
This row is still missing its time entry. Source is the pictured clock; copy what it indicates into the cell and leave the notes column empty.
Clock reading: 9:38
